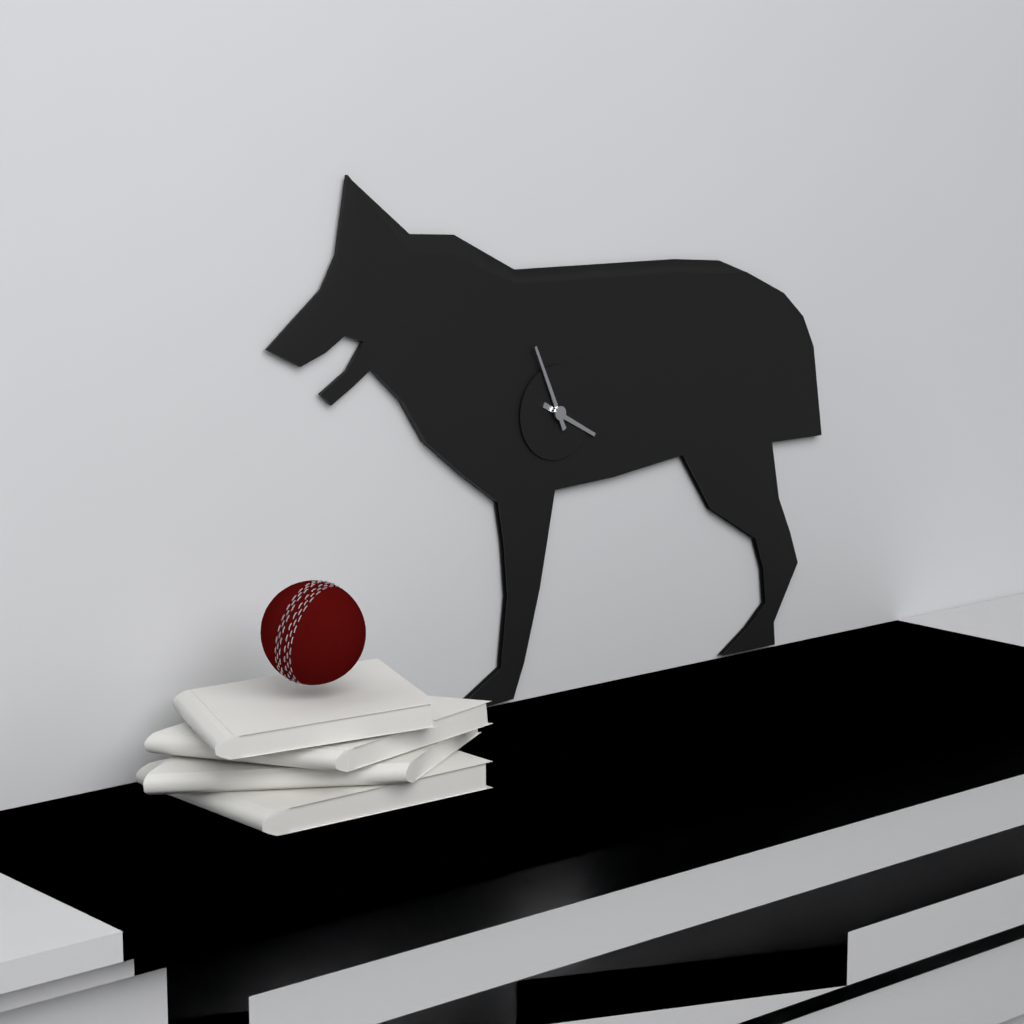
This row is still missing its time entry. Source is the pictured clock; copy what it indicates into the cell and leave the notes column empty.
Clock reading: 3:56
